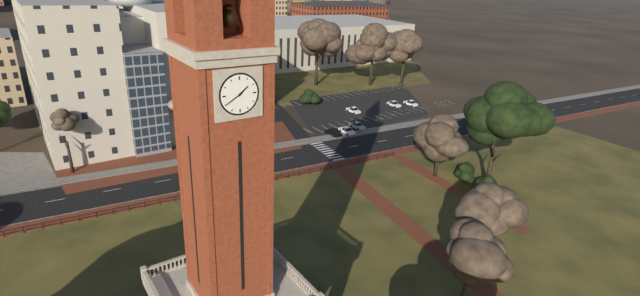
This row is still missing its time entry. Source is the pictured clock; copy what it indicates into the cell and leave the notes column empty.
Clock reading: 1:40
